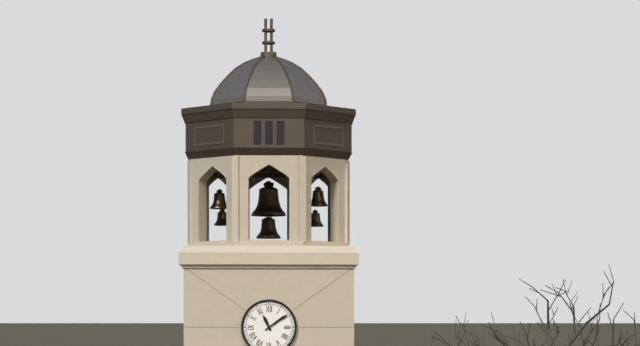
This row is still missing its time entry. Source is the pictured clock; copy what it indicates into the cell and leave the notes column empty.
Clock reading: 11:09
